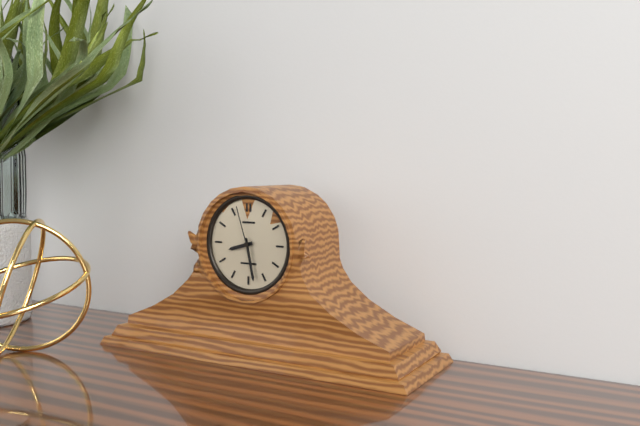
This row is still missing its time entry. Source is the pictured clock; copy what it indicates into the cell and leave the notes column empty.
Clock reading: 8:28:57
